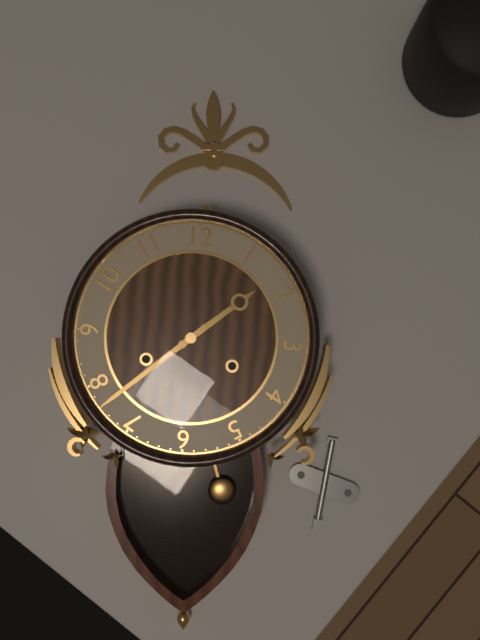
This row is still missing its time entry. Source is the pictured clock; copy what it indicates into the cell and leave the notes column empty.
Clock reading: 1:38
